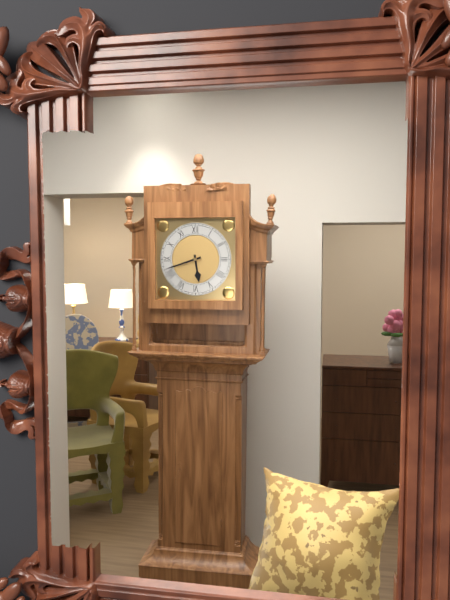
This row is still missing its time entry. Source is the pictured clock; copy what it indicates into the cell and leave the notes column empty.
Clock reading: 5:42
